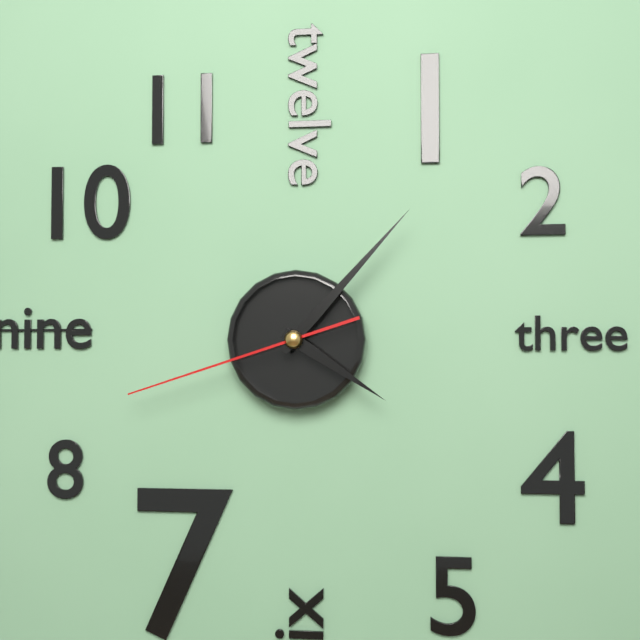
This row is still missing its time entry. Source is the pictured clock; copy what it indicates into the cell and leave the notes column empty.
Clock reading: 4:07:42
